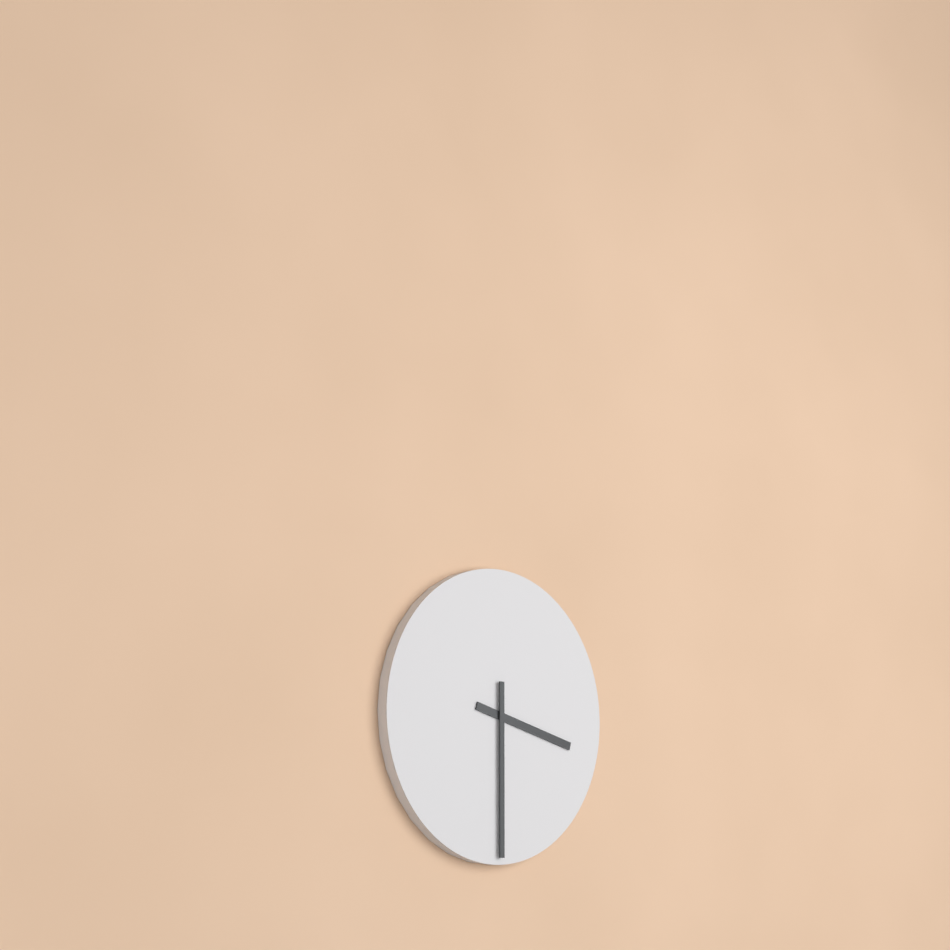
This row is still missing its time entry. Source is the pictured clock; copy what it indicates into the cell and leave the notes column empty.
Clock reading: 3:30
